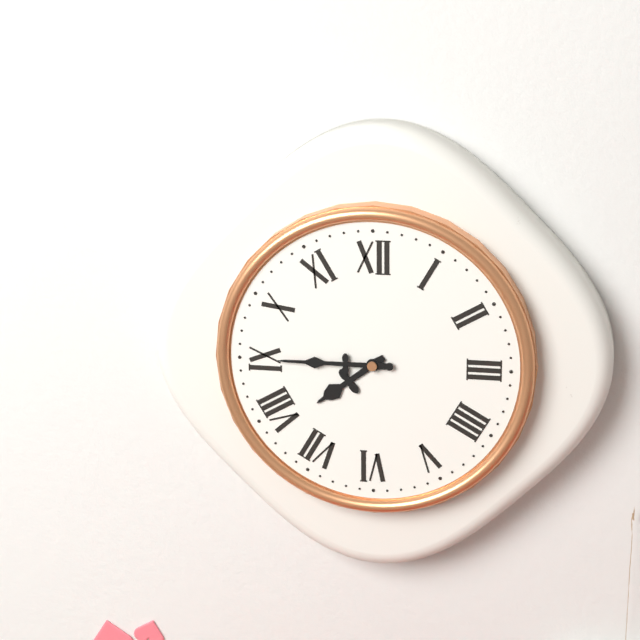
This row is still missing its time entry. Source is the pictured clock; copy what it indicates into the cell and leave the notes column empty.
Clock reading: 7:45
